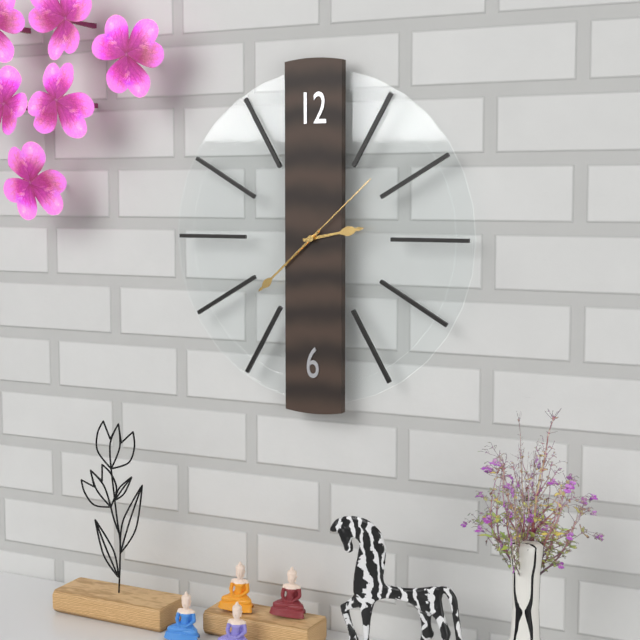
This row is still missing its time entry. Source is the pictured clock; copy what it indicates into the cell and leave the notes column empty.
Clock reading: 2:38:08
